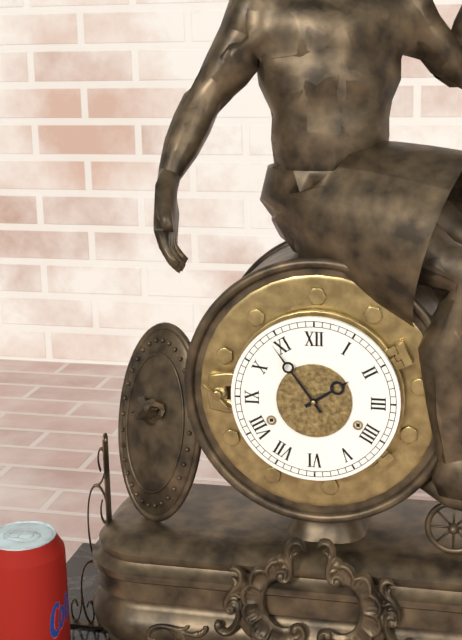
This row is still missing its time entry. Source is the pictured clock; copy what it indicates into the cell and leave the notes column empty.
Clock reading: 1:54
